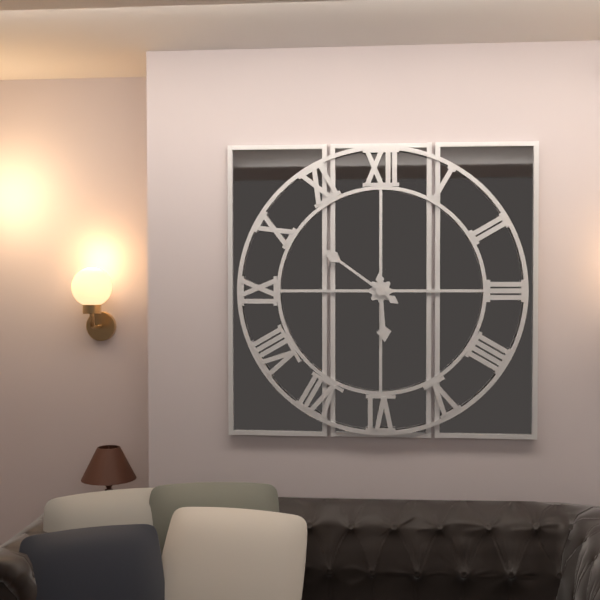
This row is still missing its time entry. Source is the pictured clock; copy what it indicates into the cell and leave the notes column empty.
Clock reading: 5:51
